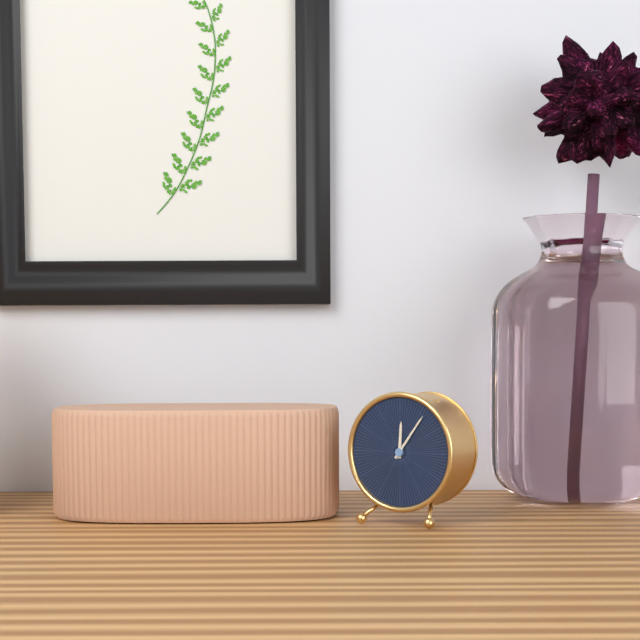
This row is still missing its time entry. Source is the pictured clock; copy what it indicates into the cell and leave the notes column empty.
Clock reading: 12:06
